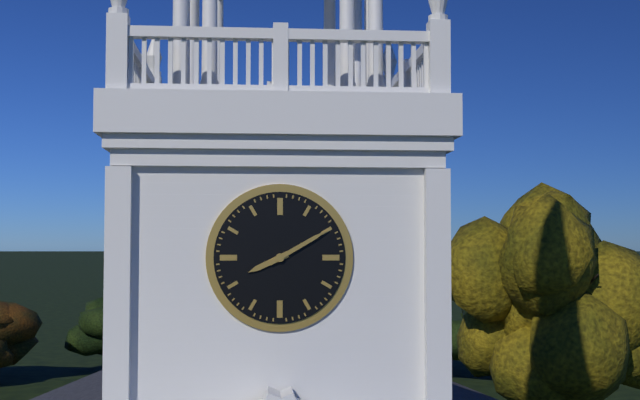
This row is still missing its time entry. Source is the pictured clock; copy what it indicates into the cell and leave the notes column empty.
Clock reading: 8:10
